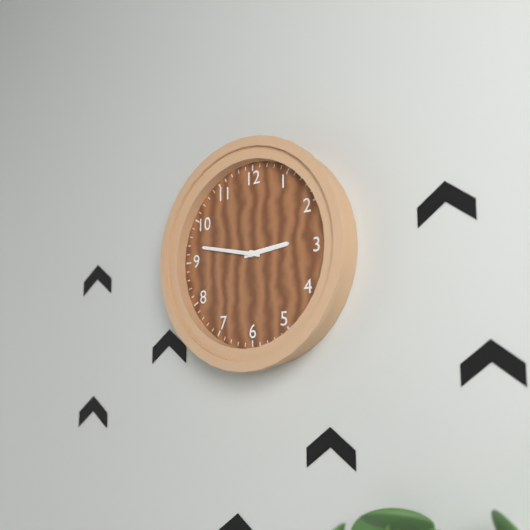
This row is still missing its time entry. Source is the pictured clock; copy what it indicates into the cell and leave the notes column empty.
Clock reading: 2:47
